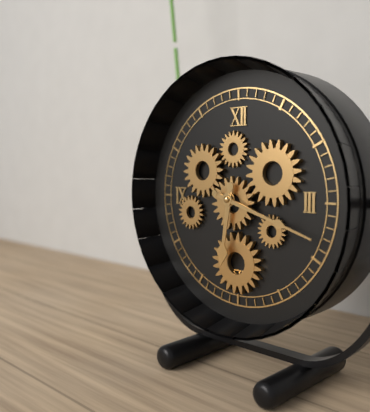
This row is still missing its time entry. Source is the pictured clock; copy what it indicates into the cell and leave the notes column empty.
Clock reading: 6:18
